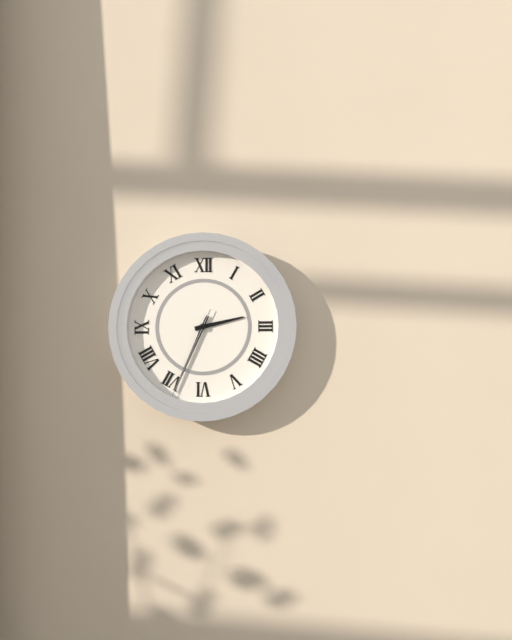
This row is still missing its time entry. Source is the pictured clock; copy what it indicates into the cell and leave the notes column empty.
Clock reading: 2:34:34
